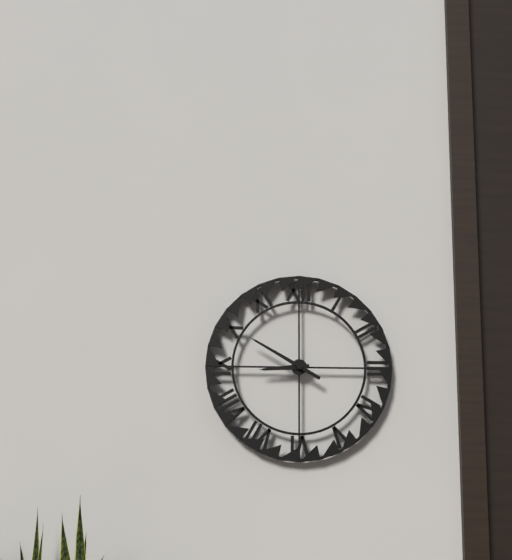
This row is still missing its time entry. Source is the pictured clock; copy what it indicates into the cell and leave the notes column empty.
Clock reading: 8:50
